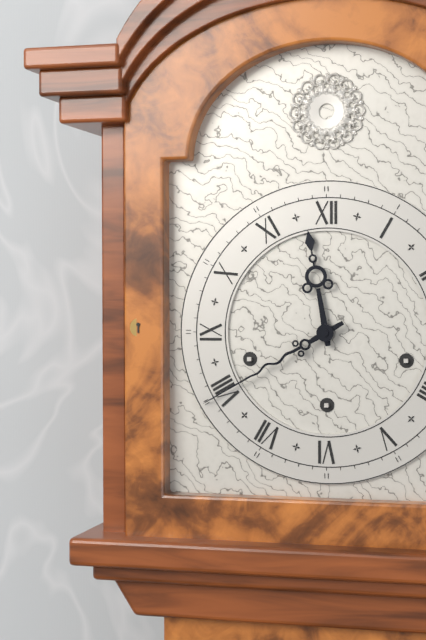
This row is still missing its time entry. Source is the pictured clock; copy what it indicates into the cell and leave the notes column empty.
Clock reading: 11:40
